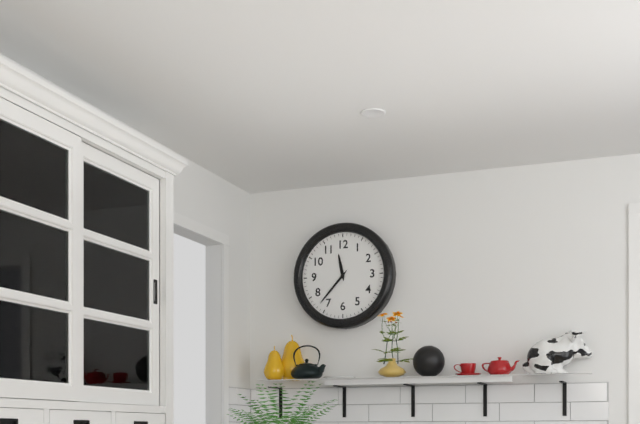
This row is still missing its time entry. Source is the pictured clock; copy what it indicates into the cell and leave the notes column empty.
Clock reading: 11:37
